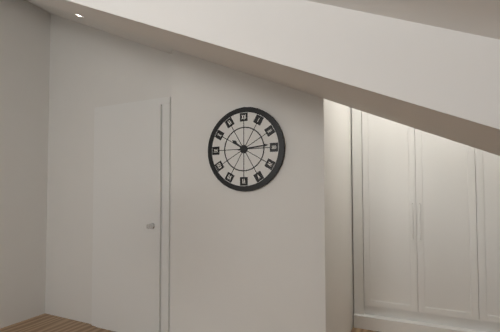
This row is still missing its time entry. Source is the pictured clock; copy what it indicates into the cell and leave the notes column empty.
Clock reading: 10:14
